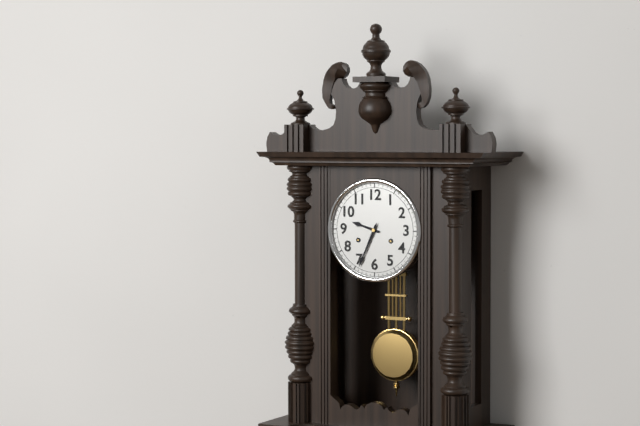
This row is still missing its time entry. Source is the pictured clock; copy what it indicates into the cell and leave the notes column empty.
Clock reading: 9:34
